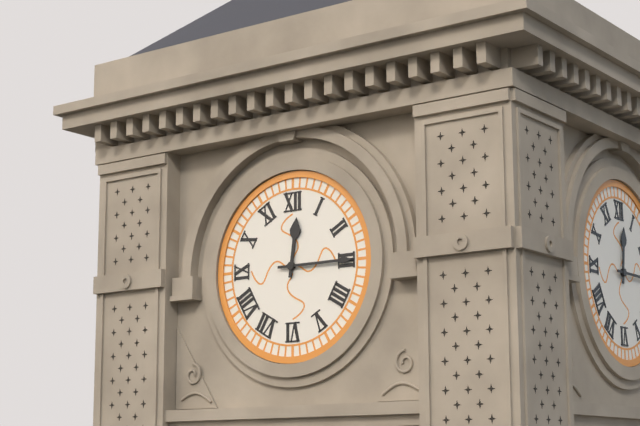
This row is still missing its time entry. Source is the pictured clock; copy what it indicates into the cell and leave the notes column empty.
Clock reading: 12:15
